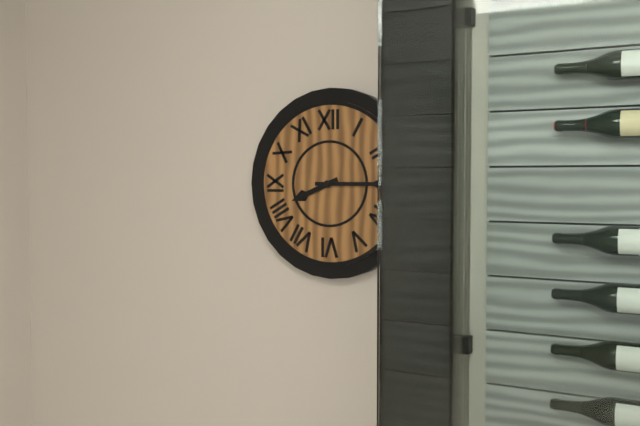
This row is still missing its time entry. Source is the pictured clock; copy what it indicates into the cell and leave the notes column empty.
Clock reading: 8:15
